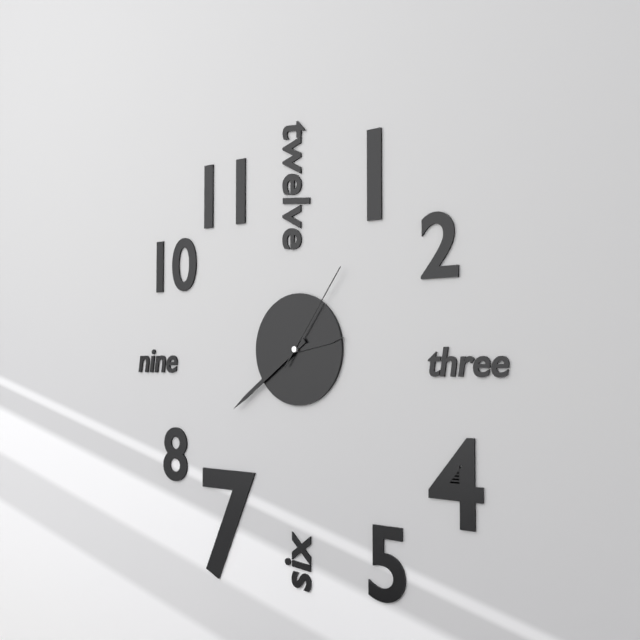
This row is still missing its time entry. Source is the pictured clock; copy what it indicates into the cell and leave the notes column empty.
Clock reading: 2:39:06
